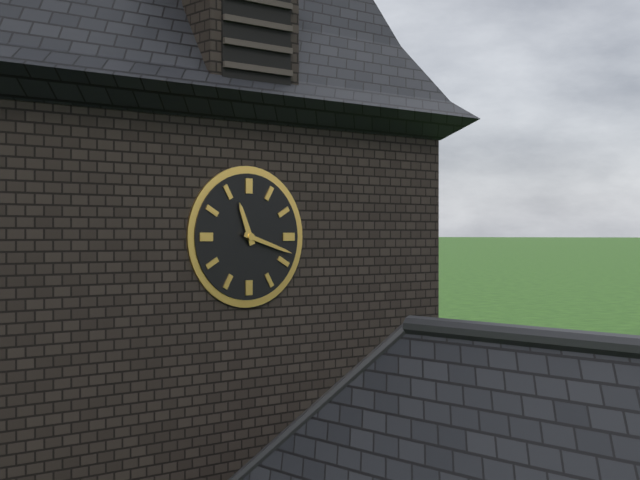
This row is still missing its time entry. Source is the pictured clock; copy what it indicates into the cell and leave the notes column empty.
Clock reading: 11:18
